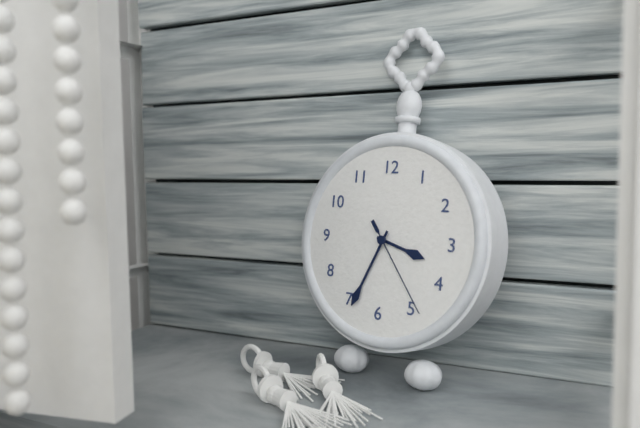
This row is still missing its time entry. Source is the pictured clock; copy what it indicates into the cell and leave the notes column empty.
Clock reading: 3:34:24
